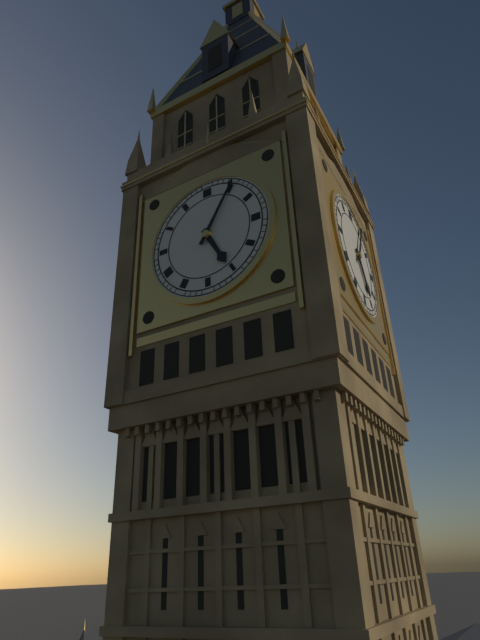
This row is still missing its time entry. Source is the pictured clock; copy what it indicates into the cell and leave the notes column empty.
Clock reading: 5:05
